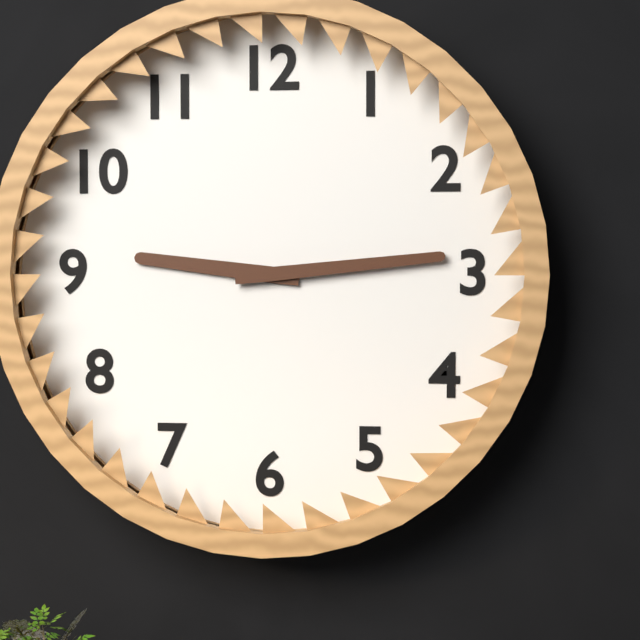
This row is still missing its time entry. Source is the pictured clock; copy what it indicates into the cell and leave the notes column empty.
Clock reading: 9:14
